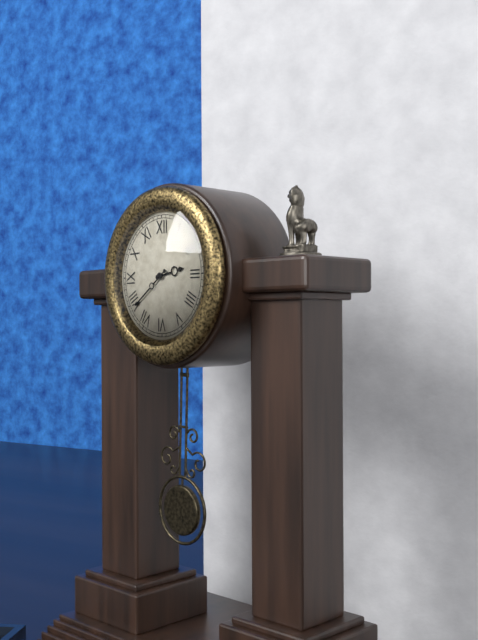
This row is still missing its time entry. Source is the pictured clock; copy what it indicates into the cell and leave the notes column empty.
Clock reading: 2:39
